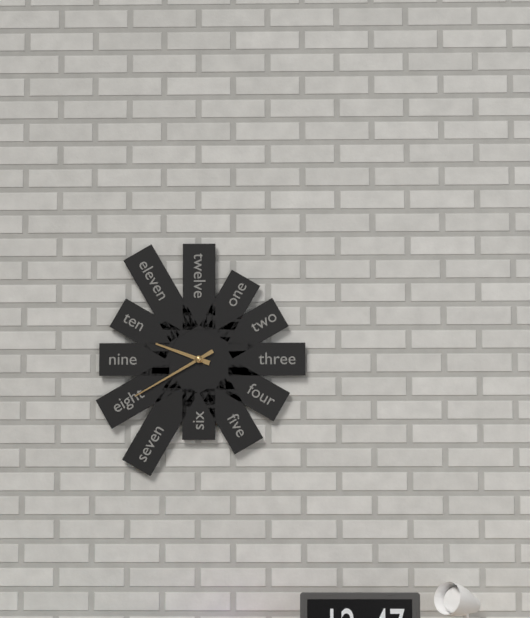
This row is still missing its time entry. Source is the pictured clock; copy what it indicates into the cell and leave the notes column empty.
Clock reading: 9:40
